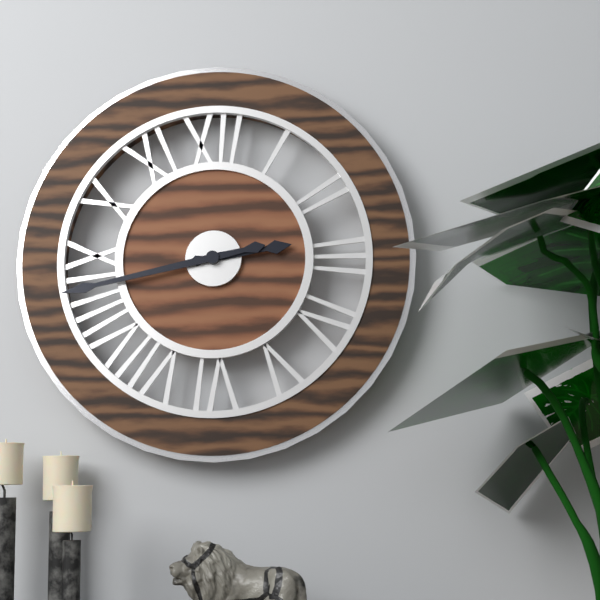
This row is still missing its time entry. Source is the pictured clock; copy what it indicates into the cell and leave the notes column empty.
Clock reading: 2:43
